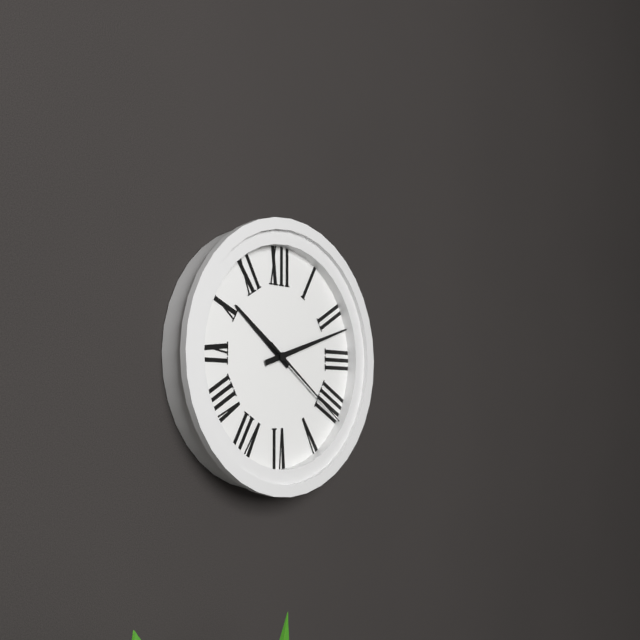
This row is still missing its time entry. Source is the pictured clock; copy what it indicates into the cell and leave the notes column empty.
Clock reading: 10:12:21
